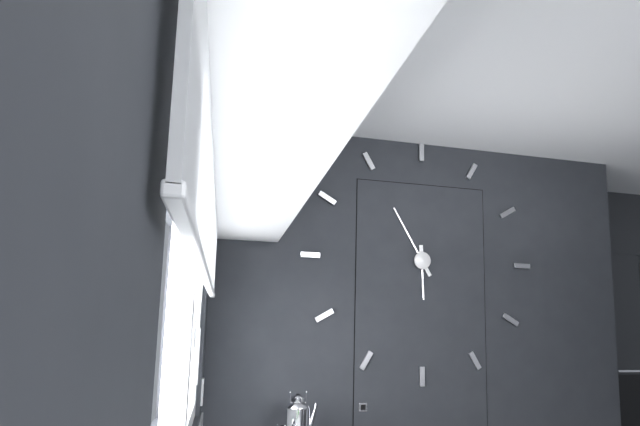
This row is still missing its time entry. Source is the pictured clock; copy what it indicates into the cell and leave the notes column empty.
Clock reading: 5:55
